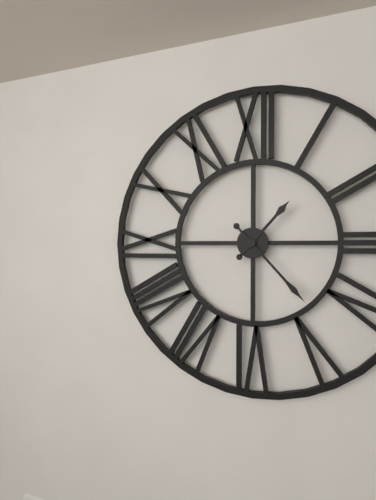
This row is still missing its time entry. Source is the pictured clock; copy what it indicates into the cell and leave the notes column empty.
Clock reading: 1:23
